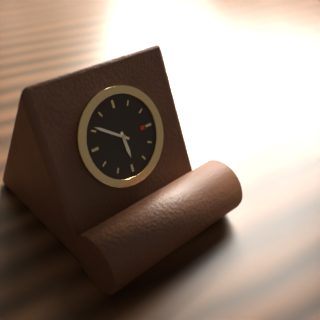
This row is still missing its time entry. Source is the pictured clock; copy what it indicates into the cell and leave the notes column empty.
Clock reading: 5:51
